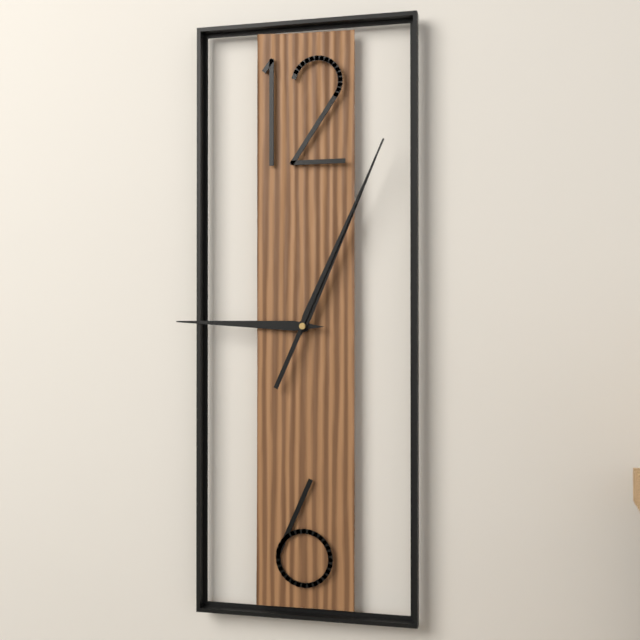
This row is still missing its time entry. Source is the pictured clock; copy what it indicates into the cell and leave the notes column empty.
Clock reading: 9:04:04
